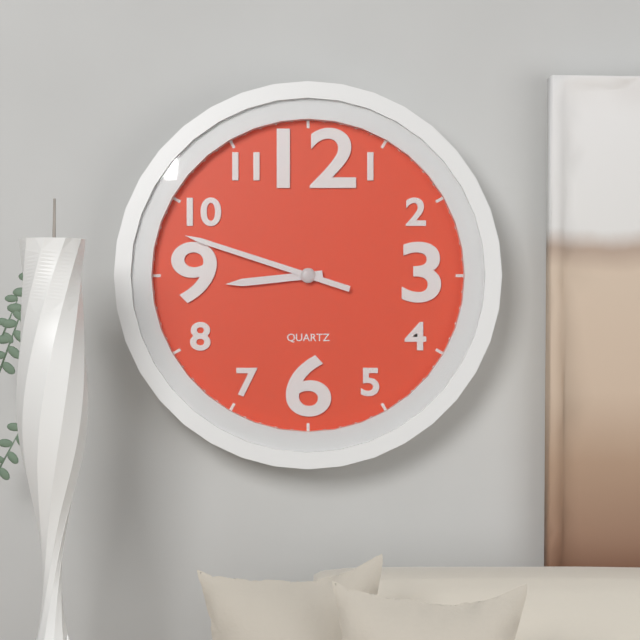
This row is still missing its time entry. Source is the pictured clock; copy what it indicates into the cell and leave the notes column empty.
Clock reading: 8:48
